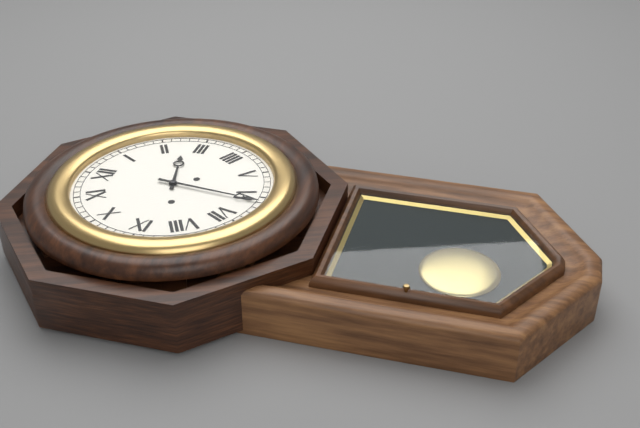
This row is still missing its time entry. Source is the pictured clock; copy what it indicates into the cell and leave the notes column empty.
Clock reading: 2:31
